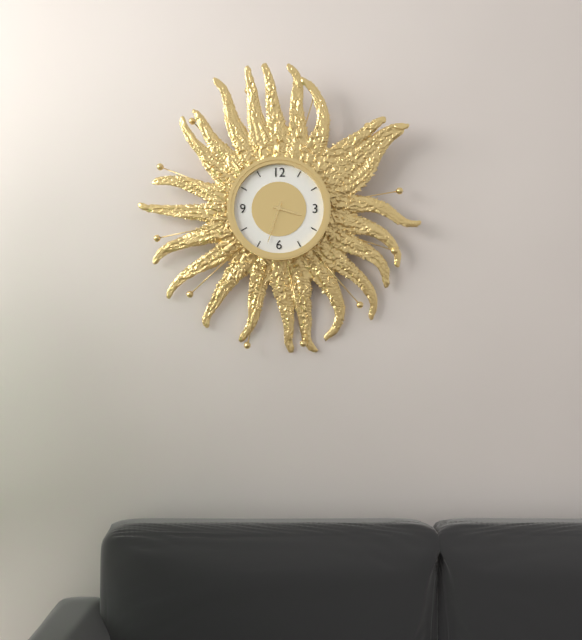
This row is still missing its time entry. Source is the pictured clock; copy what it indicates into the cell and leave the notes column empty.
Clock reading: 3:33
